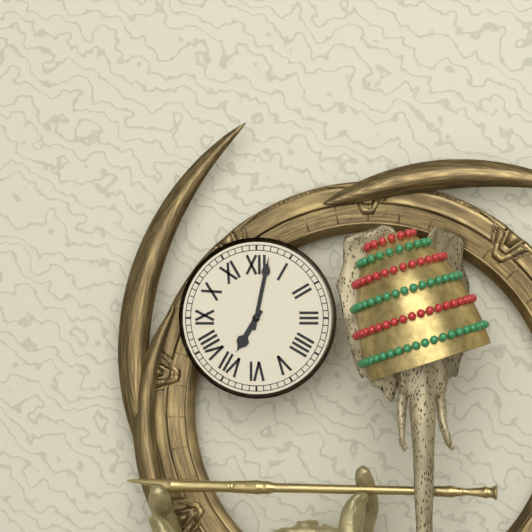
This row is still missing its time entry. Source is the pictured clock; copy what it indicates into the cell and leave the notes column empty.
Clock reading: 7:02
